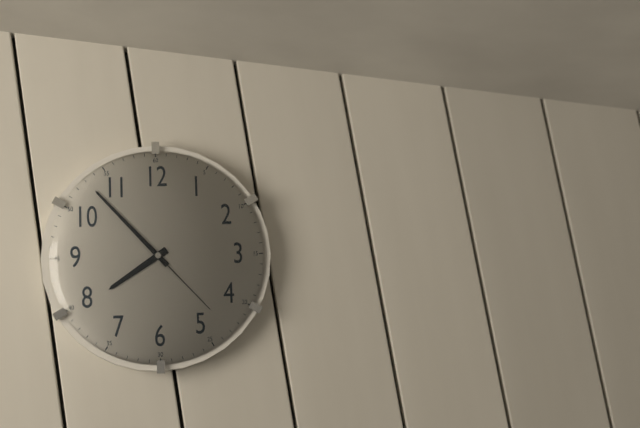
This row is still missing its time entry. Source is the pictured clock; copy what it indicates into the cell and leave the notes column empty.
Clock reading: 7:53:23
